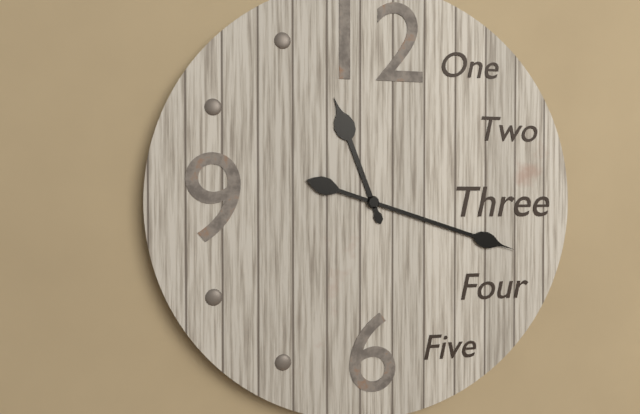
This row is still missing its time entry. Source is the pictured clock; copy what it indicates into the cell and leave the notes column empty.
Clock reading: 11:18
